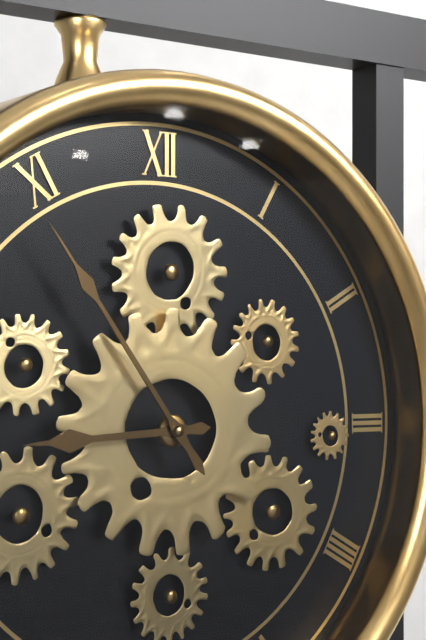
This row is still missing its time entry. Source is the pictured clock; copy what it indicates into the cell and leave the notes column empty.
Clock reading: 8:54
